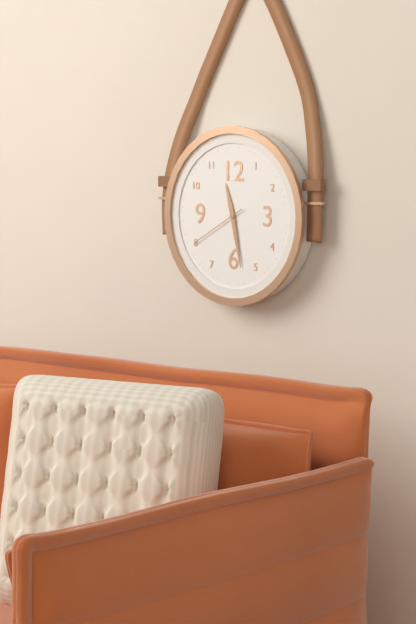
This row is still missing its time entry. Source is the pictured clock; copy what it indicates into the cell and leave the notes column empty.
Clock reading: 11:28:40
